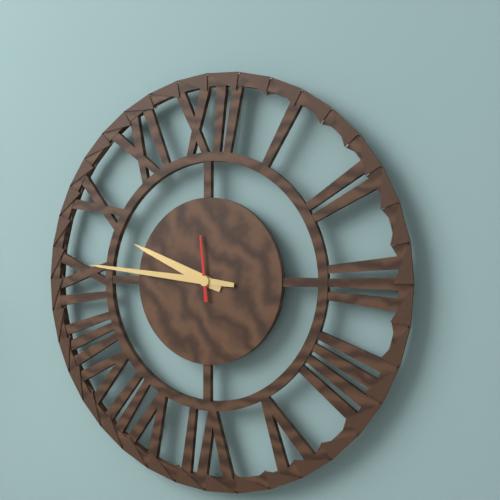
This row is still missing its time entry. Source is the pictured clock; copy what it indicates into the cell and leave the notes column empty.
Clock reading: 9:46:59
